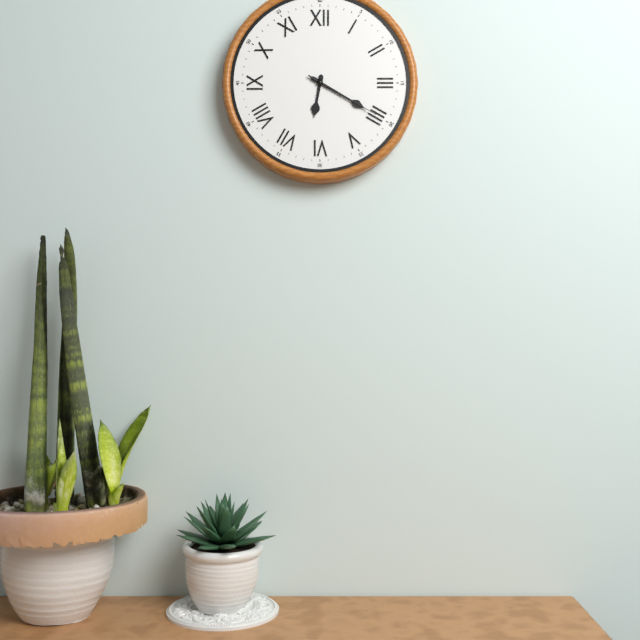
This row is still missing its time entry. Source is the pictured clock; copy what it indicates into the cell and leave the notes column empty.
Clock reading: 6:20:20
